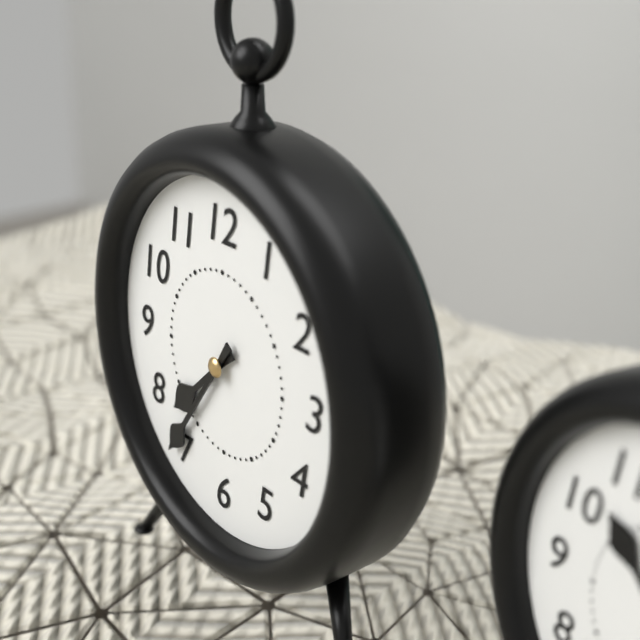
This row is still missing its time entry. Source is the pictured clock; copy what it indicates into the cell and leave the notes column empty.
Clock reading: 7:36
